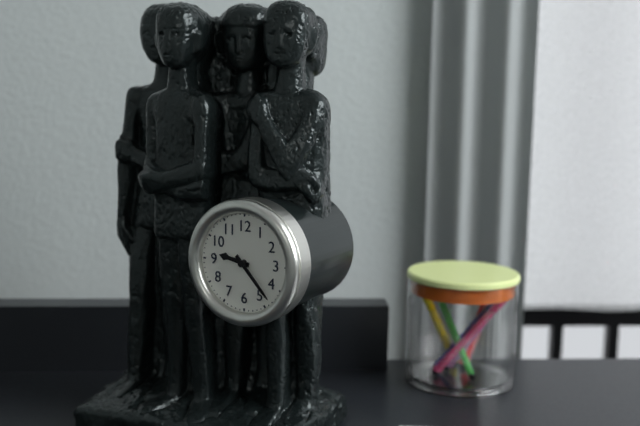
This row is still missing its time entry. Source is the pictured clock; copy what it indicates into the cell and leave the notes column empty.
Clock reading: 9:23
